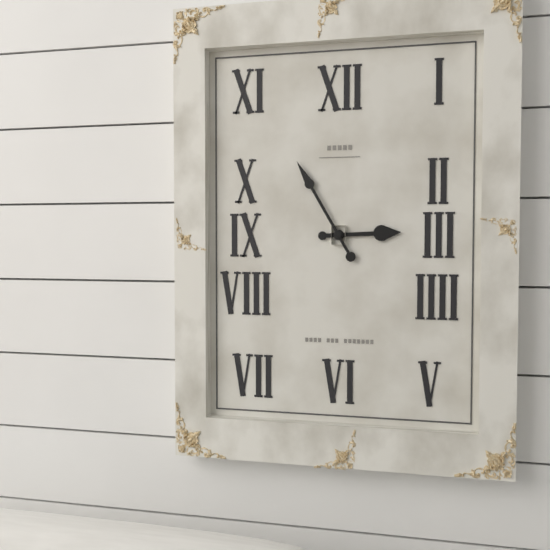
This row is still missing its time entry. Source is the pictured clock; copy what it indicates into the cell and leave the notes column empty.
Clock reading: 2:55
